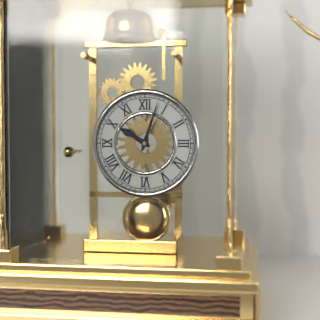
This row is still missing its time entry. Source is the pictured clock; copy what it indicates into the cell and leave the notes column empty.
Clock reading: 10:03
